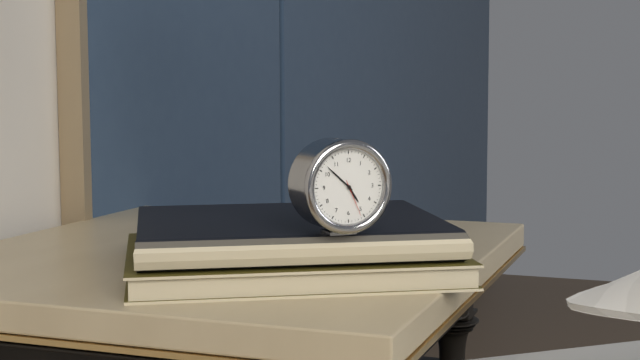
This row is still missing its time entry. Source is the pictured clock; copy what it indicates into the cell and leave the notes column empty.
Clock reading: 4:52
